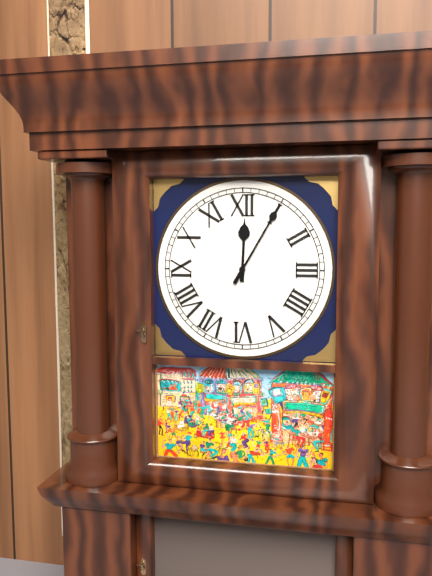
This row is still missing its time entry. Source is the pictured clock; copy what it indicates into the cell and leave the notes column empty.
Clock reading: 12:05
